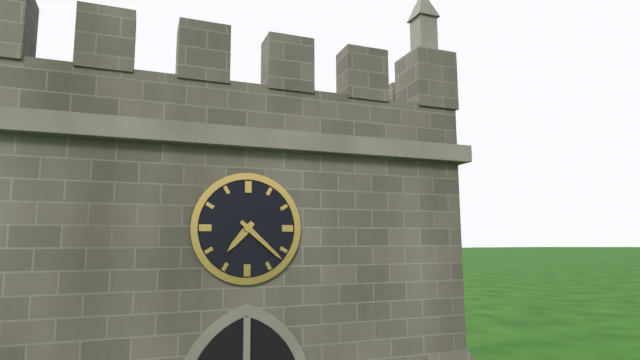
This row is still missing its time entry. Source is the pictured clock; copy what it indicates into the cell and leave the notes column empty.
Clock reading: 7:22
